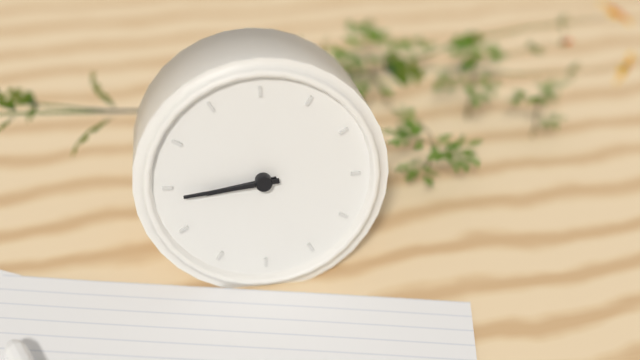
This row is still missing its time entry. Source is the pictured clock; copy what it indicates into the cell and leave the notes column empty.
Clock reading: 8:44
